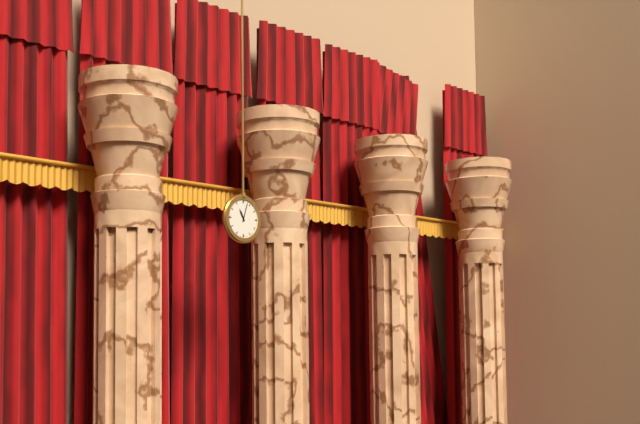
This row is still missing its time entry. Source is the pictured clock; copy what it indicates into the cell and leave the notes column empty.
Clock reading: 11:03
